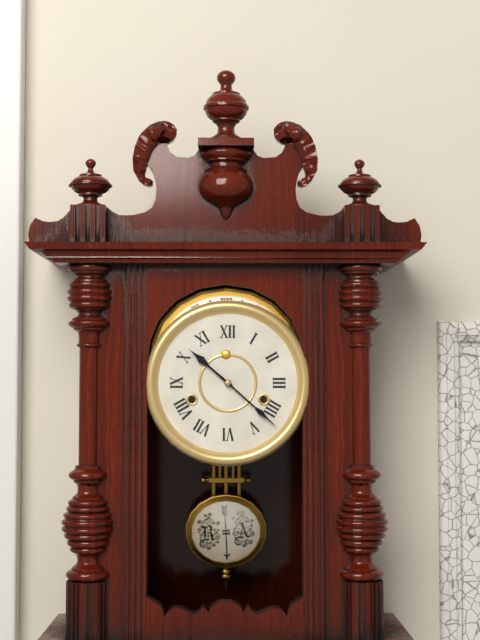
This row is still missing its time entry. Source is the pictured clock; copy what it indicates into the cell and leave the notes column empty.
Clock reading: 10:22
